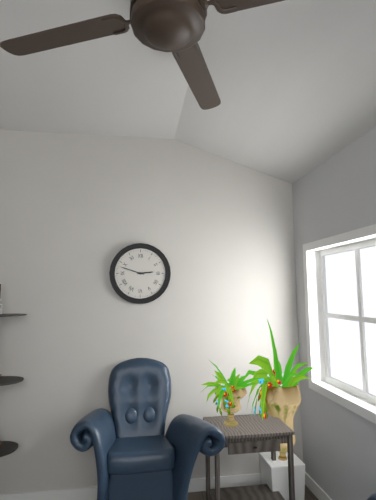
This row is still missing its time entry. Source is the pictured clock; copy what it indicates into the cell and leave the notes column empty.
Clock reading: 2:48
